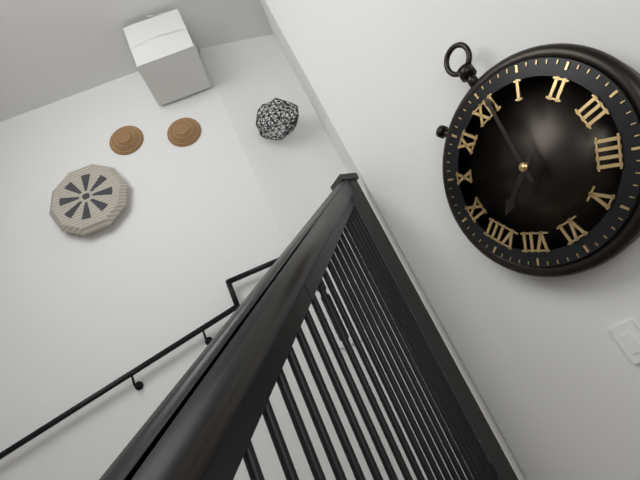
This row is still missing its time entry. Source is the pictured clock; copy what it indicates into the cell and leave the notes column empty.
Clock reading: 8:01
